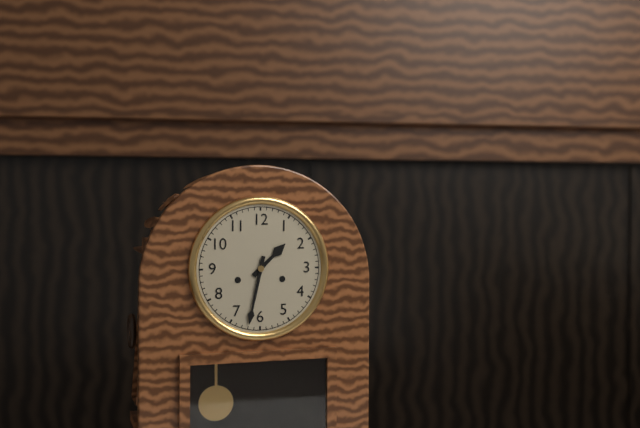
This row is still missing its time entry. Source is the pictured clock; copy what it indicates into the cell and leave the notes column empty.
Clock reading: 1:32
